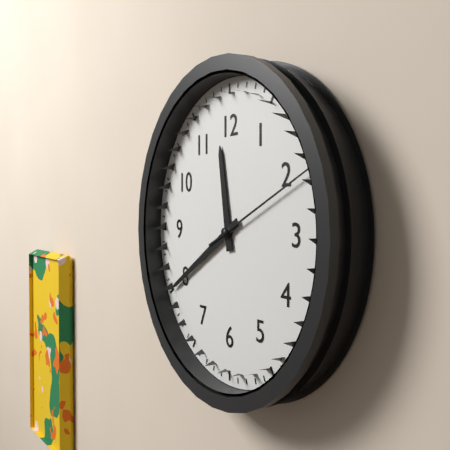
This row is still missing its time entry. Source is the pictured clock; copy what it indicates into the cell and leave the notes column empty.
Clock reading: 11:40:11
